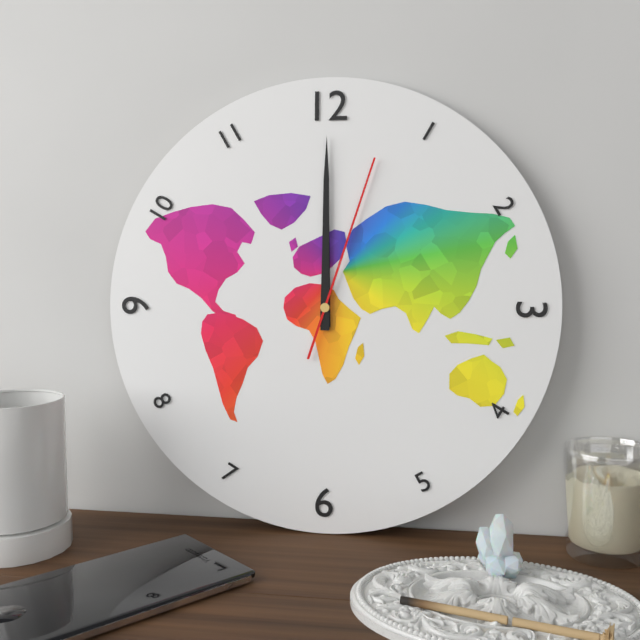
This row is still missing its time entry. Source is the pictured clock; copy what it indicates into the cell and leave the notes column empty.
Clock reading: 12:00:03
